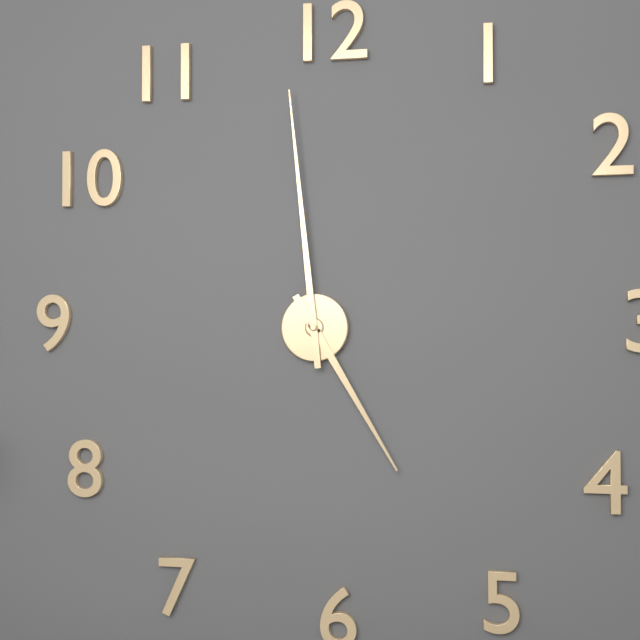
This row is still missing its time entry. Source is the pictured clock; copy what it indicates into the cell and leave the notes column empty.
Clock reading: 4:59
